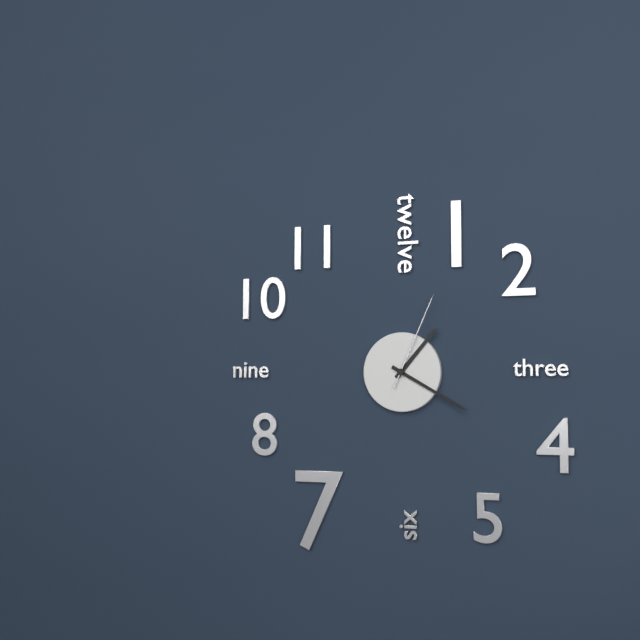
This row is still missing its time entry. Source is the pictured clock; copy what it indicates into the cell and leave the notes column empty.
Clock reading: 1:20:04
